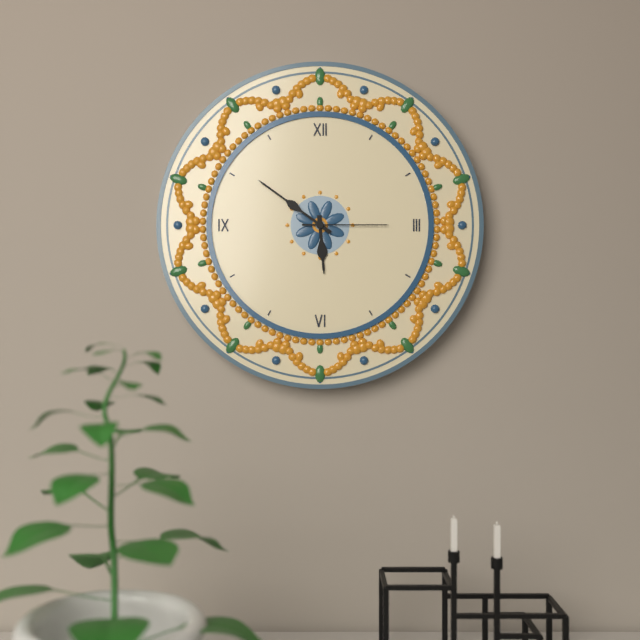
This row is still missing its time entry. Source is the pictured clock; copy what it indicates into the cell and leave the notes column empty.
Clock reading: 5:51:15
